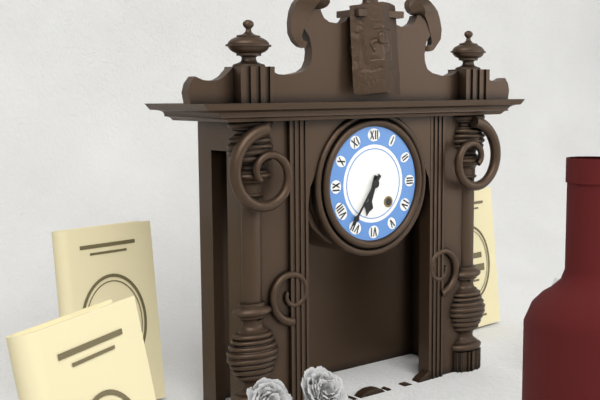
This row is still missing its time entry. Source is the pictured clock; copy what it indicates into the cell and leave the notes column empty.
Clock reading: 6:36
